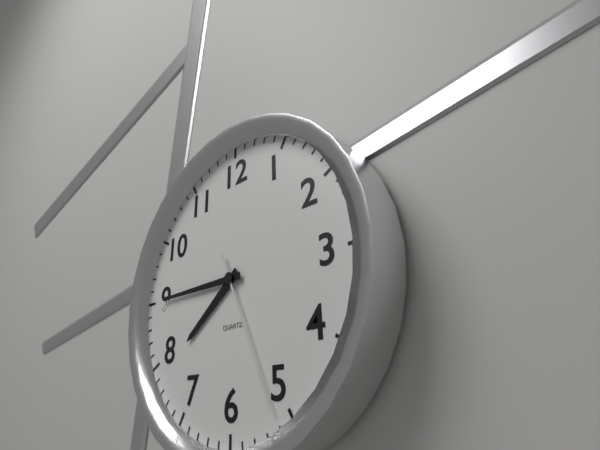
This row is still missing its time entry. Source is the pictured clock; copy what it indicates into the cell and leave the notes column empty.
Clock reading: 7:45:26
